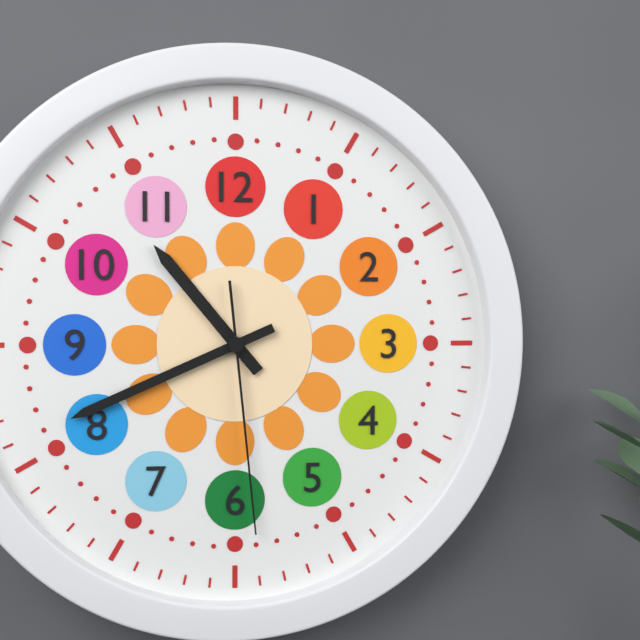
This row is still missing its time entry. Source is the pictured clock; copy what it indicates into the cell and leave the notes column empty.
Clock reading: 10:41:29
